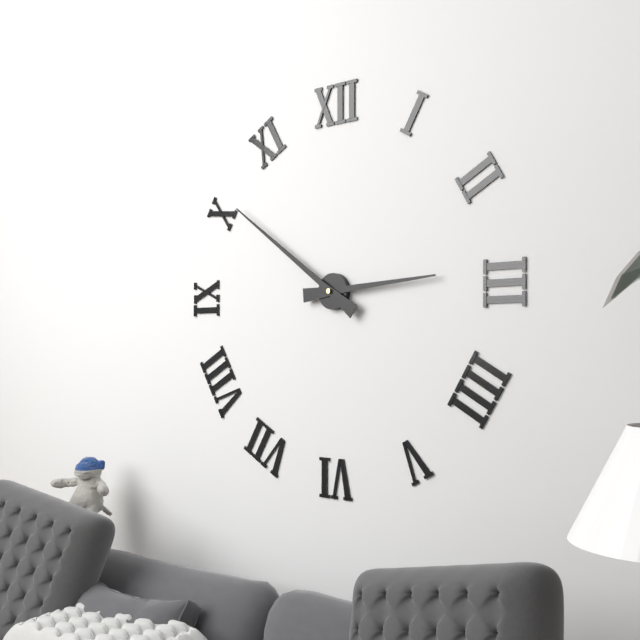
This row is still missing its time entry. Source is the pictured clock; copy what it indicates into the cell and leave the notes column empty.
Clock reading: 2:51
